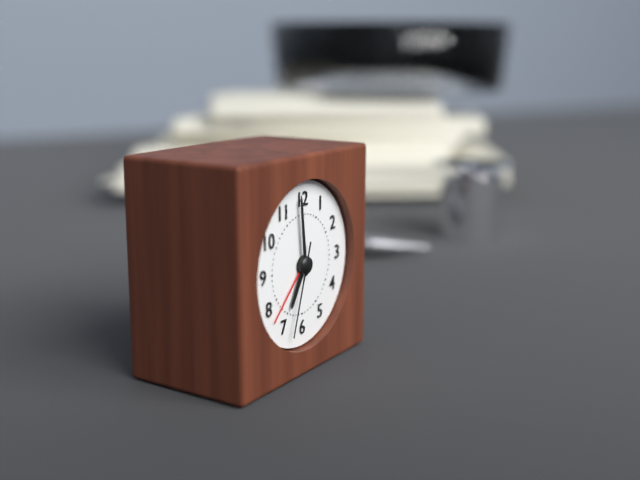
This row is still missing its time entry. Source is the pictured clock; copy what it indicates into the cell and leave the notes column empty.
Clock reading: 6:59:33
